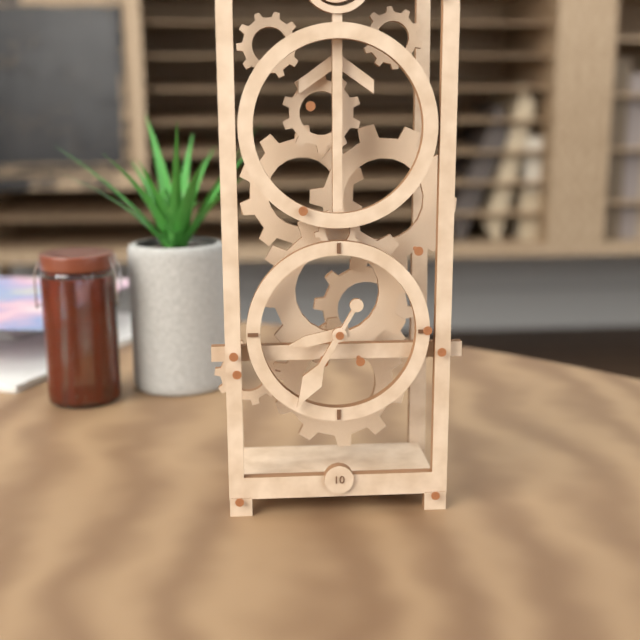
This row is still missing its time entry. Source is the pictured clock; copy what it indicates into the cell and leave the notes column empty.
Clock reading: 8:35
